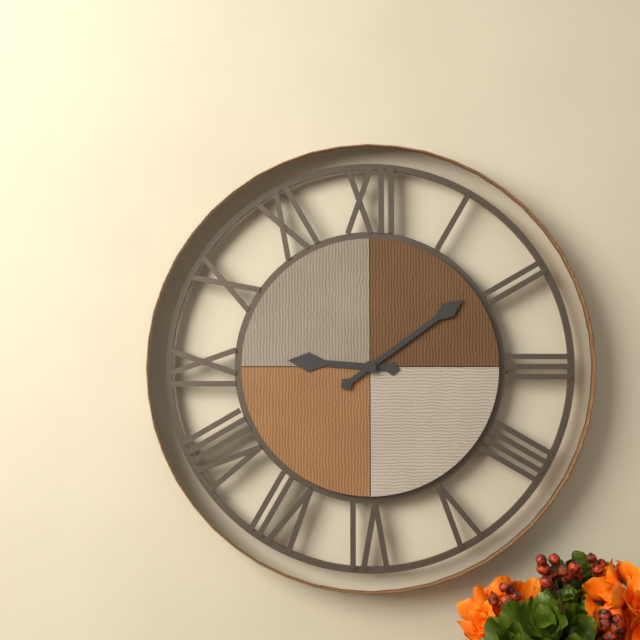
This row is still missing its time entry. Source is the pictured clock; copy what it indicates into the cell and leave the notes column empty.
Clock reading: 9:09
